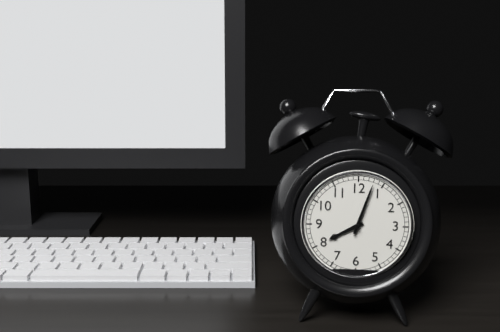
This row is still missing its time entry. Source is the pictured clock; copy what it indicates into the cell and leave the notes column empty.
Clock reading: 8:03
